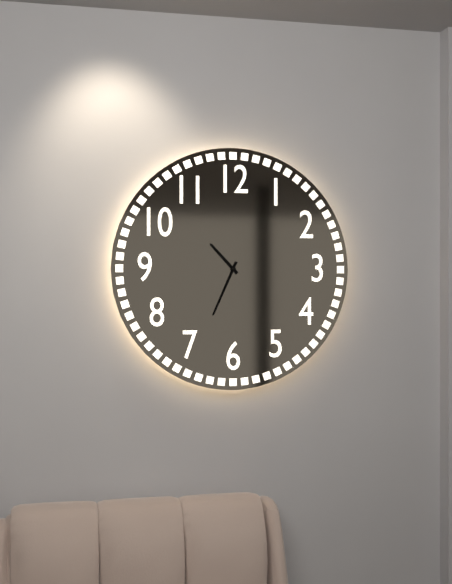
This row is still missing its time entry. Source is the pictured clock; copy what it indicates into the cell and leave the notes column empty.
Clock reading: 10:34
